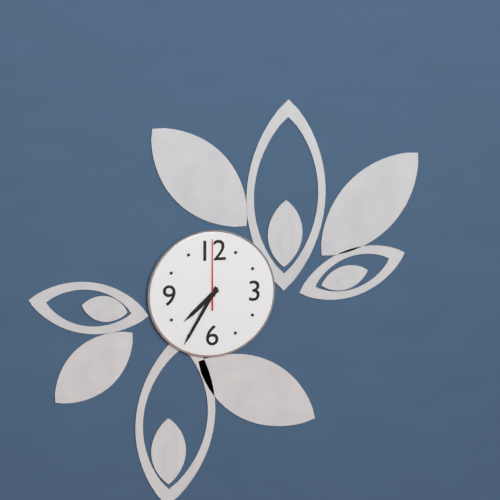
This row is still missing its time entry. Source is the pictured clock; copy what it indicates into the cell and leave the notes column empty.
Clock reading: 7:35:00
